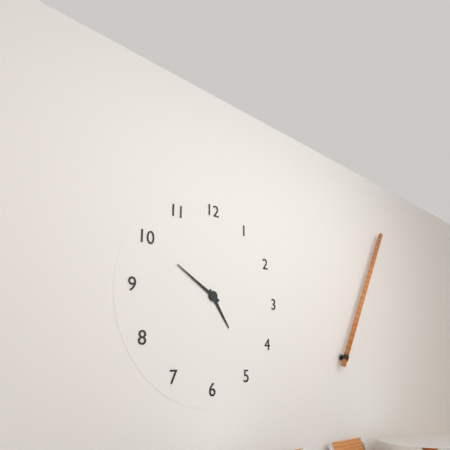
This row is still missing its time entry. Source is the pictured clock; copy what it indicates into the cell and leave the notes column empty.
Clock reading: 4:50
